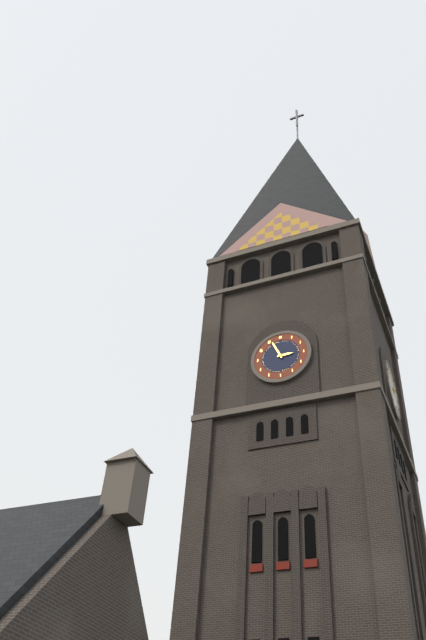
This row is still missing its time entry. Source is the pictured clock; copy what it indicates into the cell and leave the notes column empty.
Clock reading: 2:56
